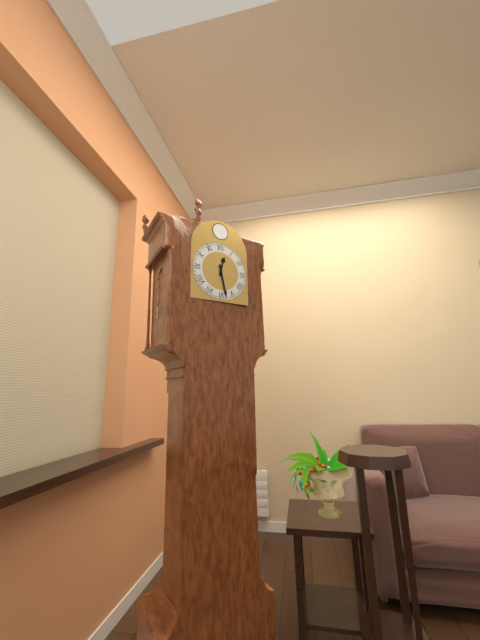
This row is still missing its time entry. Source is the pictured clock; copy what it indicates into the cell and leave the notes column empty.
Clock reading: 12:28
